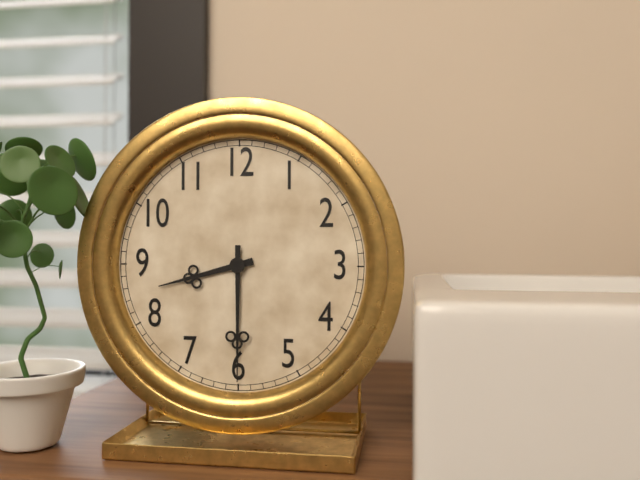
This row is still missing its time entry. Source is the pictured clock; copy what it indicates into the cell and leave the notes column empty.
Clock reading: 8:30
